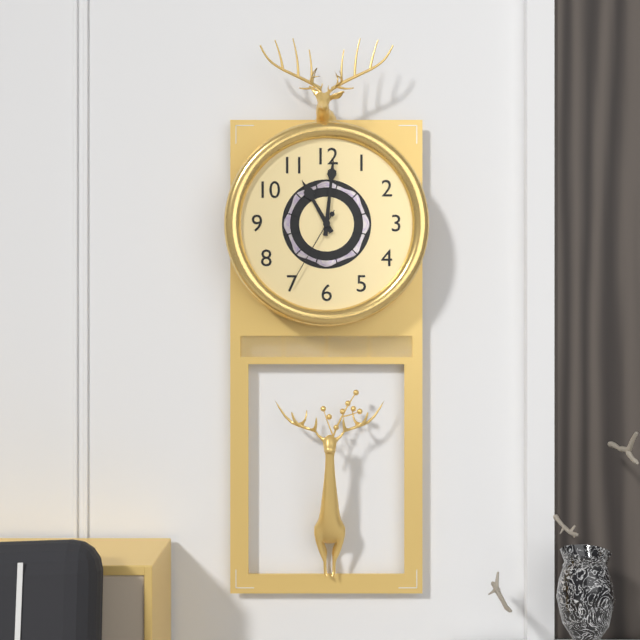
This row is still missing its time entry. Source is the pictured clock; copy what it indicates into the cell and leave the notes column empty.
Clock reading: 11:01:35
